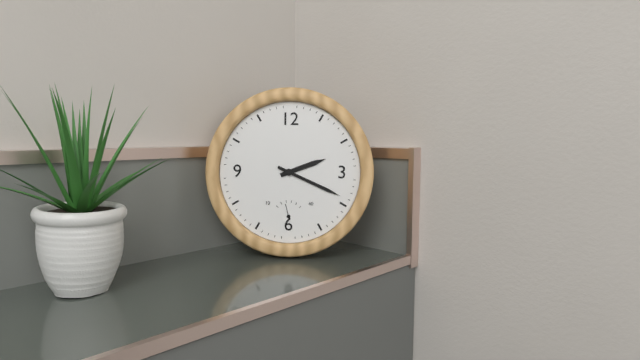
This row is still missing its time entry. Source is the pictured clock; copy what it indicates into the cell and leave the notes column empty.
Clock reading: 2:19
